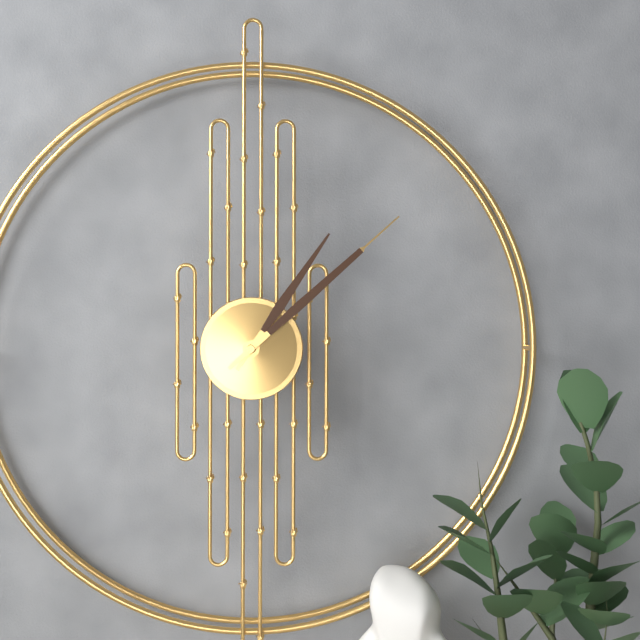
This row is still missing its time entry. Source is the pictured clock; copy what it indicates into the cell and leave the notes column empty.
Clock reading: 1:08
